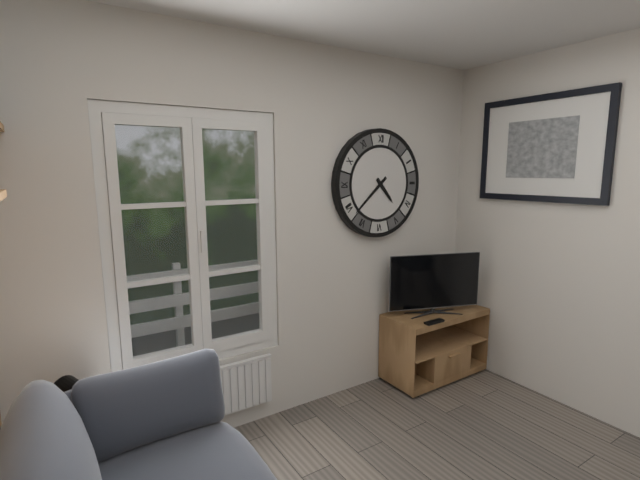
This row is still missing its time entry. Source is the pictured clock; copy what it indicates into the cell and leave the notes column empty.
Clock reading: 4:38
